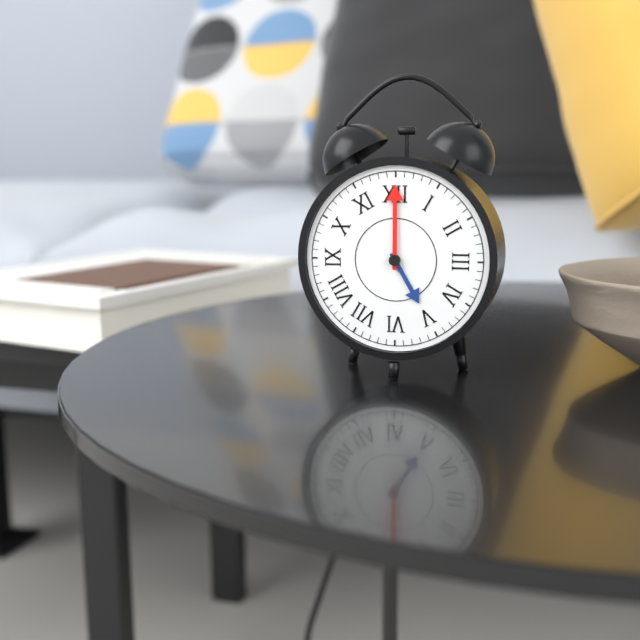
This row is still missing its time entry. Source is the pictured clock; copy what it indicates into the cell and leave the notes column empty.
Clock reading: 5:00
